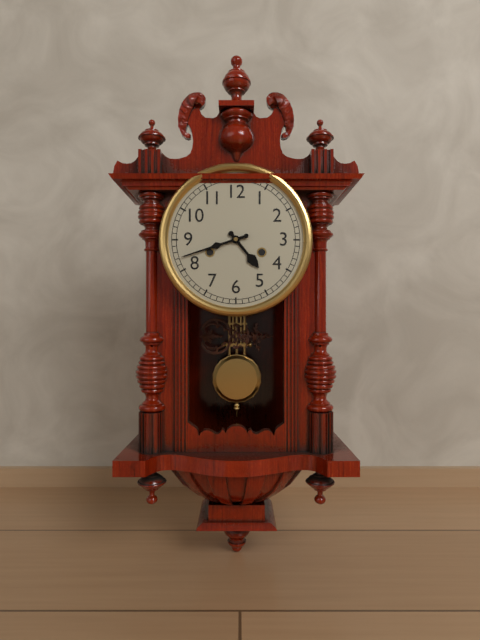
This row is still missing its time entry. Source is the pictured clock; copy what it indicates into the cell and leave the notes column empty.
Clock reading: 4:42
